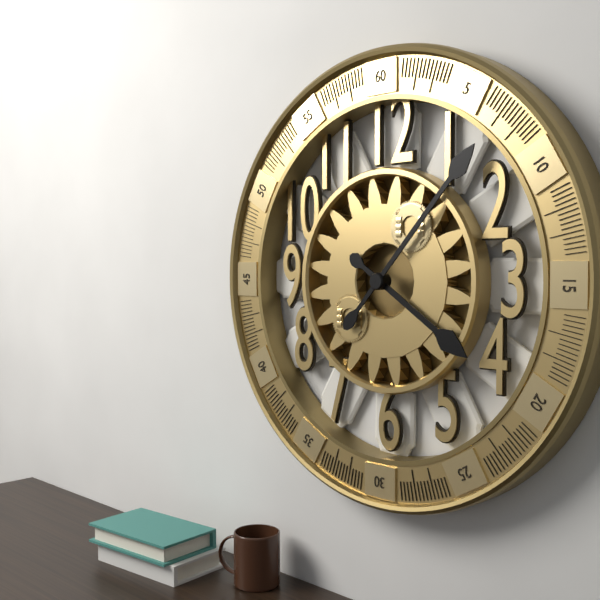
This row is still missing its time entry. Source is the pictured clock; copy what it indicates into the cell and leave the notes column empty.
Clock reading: 4:07
